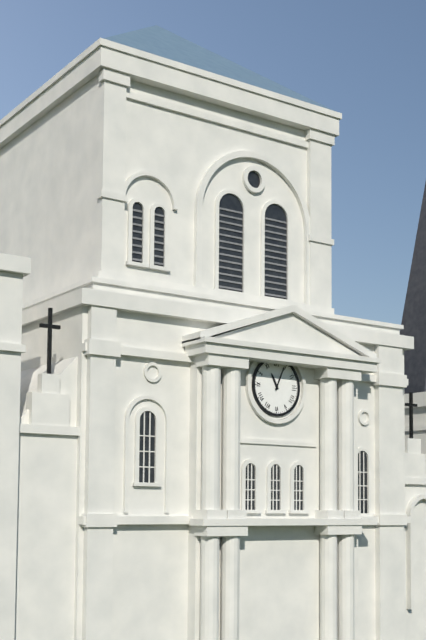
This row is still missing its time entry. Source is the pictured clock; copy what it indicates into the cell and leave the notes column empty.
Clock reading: 11:04
